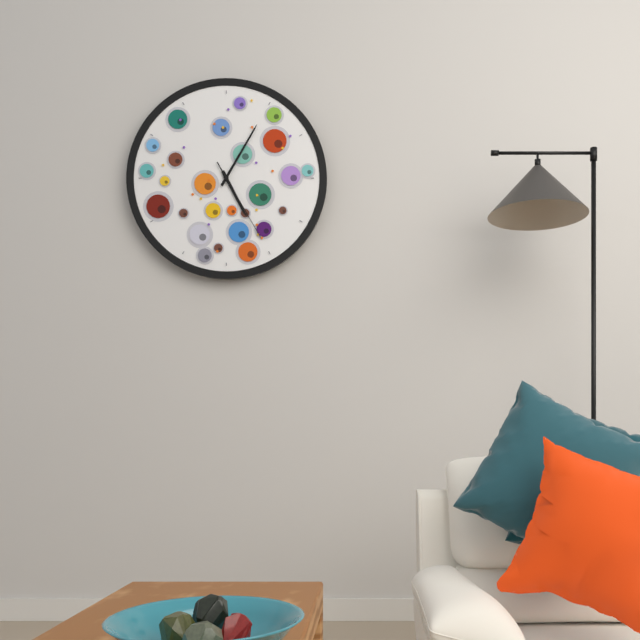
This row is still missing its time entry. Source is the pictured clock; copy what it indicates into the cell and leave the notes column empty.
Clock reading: 5:05:25
